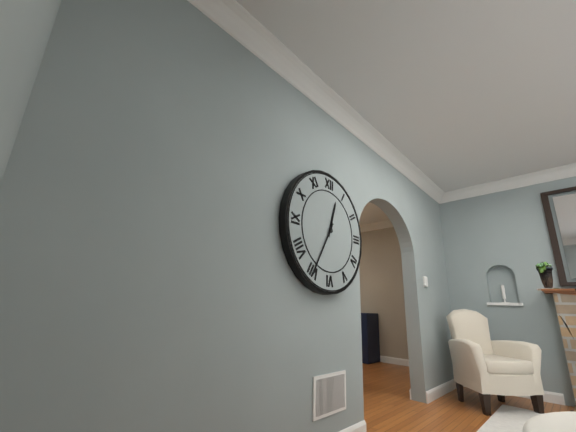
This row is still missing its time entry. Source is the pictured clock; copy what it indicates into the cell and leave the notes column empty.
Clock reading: 12:35
